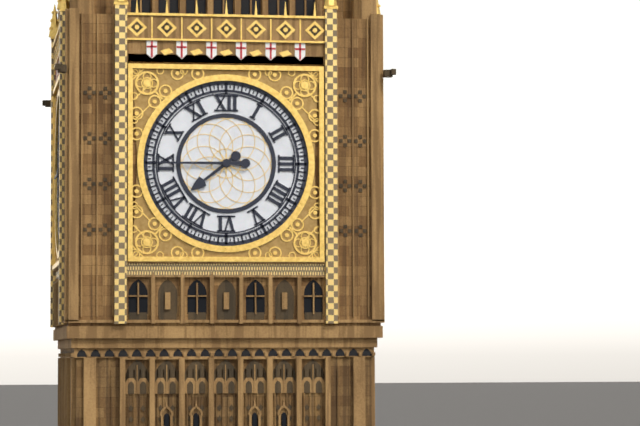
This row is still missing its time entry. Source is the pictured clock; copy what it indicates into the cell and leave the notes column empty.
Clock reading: 7:45
